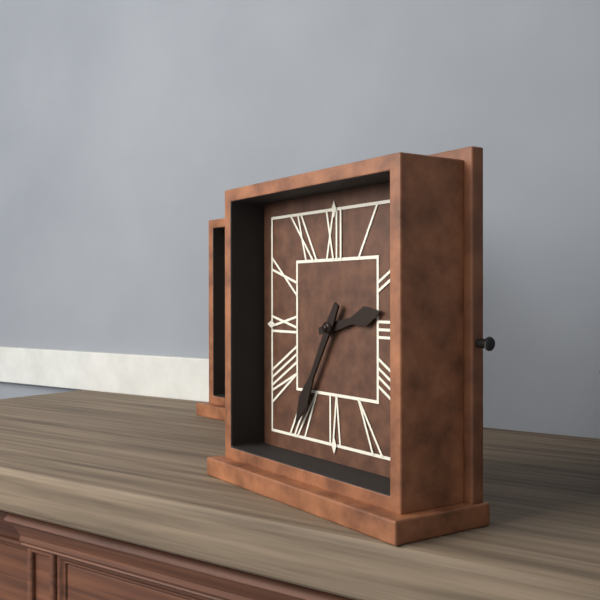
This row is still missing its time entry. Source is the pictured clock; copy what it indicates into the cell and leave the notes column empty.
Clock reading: 2:35
